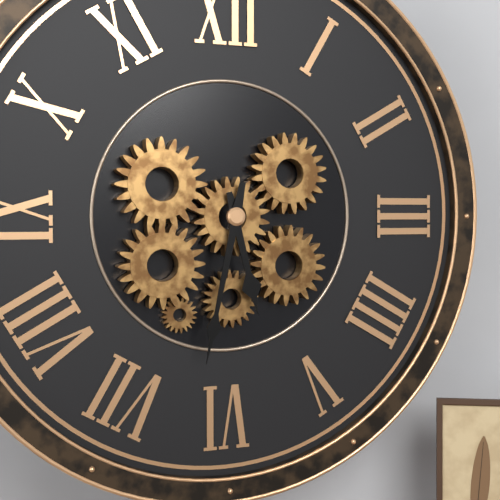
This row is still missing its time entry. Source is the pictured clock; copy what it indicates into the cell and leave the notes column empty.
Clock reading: 5:32
